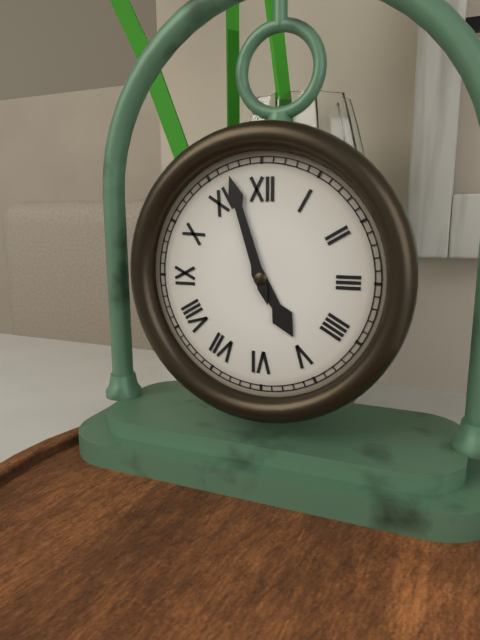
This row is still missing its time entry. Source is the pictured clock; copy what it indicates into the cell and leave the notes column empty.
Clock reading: 4:57
